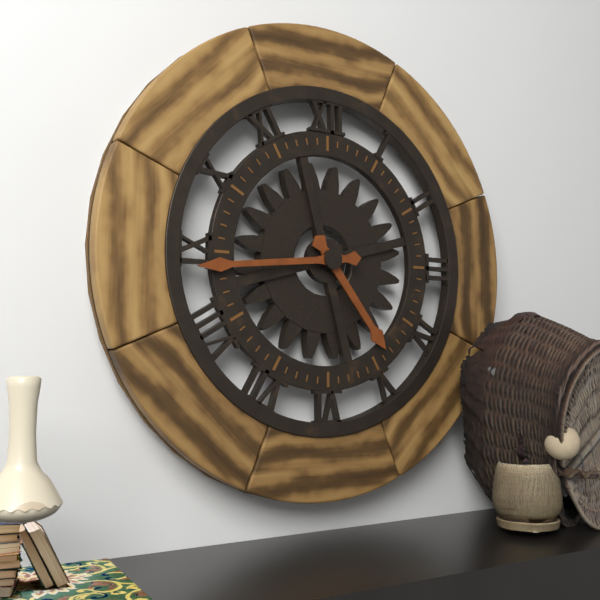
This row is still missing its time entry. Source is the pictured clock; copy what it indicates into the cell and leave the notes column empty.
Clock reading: 4:44
